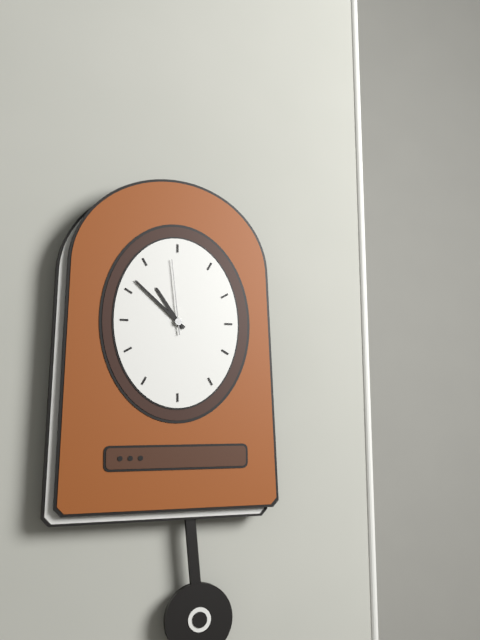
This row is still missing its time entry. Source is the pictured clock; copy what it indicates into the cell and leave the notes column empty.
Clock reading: 10:52:59
